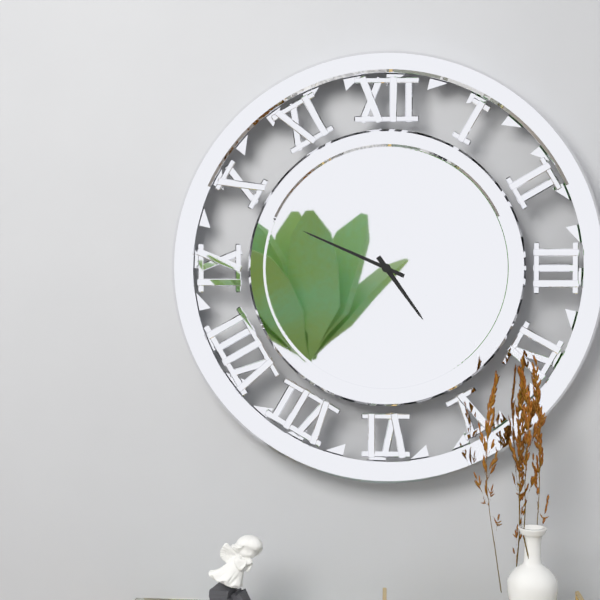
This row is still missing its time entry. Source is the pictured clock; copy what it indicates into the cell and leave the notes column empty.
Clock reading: 4:49
